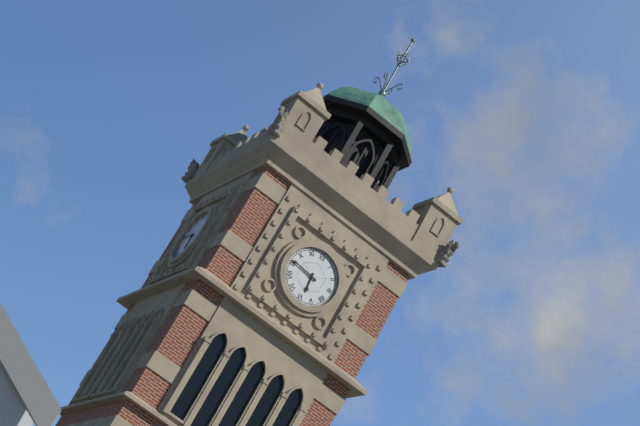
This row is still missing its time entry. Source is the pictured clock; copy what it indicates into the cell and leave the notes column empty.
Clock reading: 5:46
